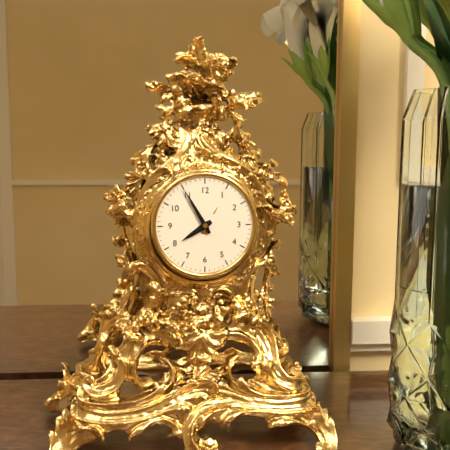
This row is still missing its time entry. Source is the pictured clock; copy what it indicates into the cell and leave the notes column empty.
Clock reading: 7:55
